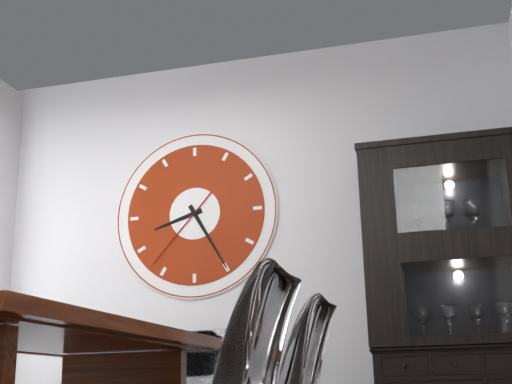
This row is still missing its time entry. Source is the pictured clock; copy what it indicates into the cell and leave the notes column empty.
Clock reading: 8:25:37
